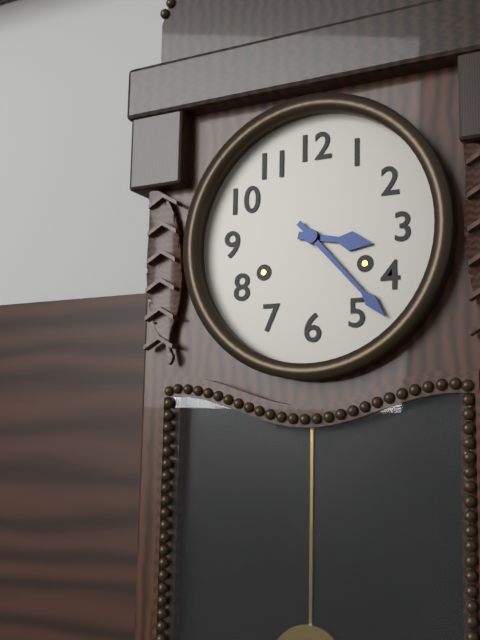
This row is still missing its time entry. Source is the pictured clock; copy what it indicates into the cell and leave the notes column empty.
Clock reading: 3:23
